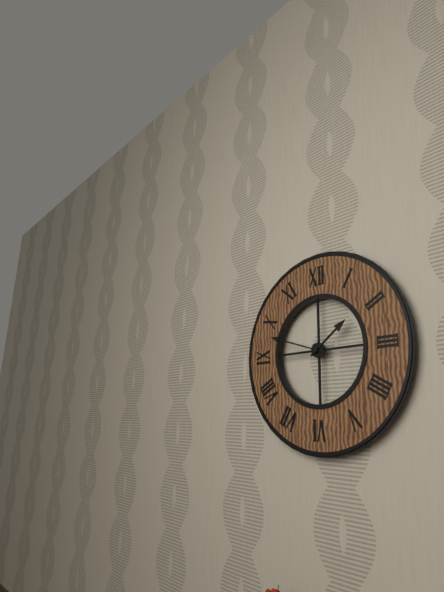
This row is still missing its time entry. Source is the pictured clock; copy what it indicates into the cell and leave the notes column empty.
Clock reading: 1:48
